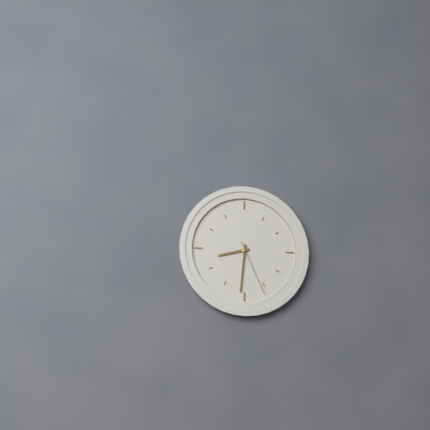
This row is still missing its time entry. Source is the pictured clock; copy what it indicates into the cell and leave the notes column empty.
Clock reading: 8:31:26
